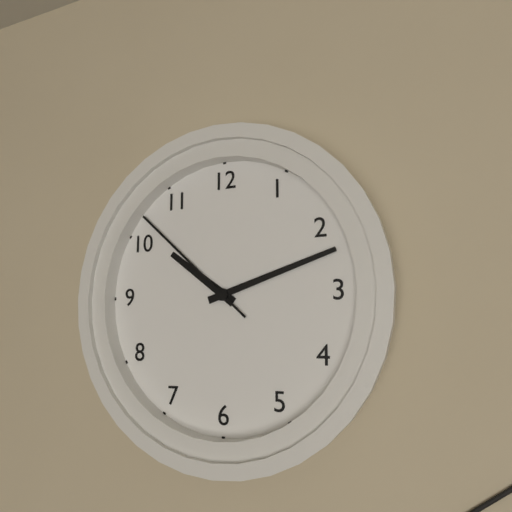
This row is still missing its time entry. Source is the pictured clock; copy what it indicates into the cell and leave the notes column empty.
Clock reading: 10:12:52
